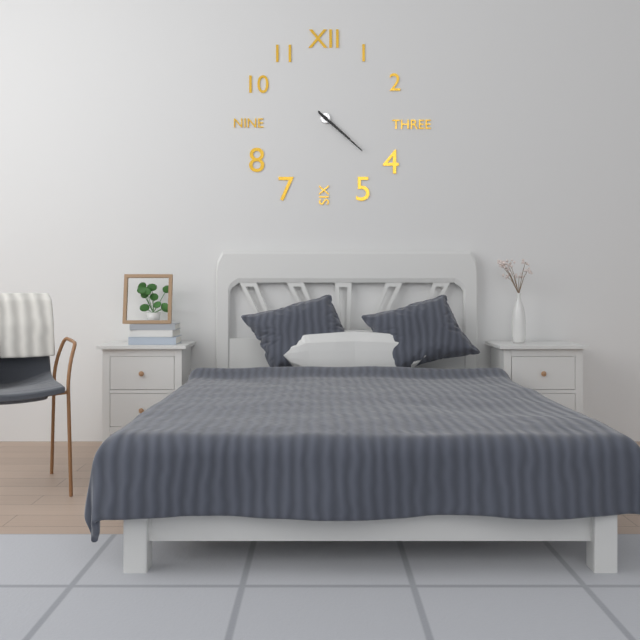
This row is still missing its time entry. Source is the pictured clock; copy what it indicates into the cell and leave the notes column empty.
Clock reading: 4:22
